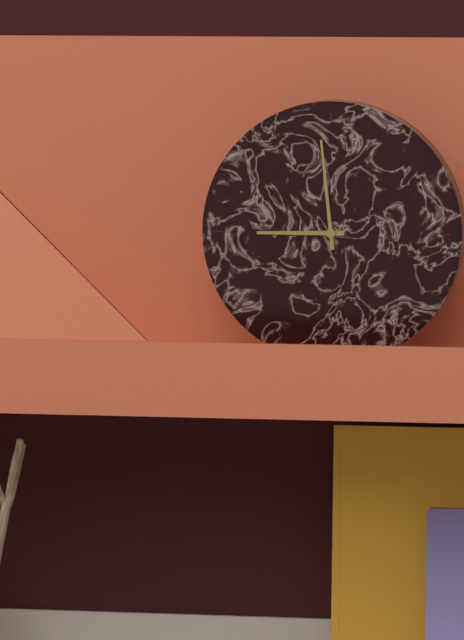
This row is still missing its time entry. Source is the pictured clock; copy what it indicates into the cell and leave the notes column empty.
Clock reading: 8:59
